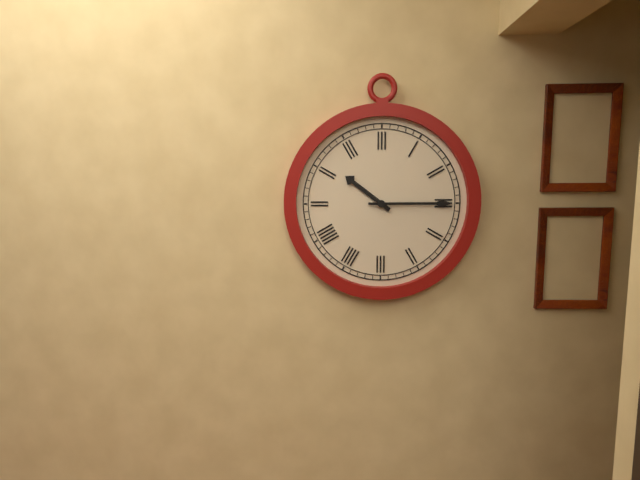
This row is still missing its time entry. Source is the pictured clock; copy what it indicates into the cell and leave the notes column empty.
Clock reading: 10:15
